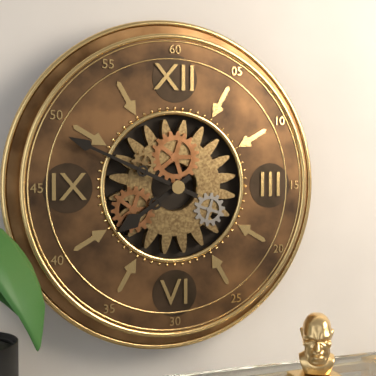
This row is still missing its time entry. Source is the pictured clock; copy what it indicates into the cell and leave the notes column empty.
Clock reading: 7:49
